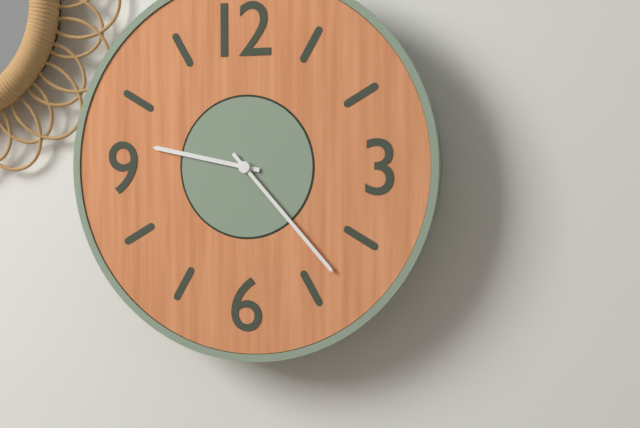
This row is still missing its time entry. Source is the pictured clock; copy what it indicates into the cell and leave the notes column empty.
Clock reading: 9:23
